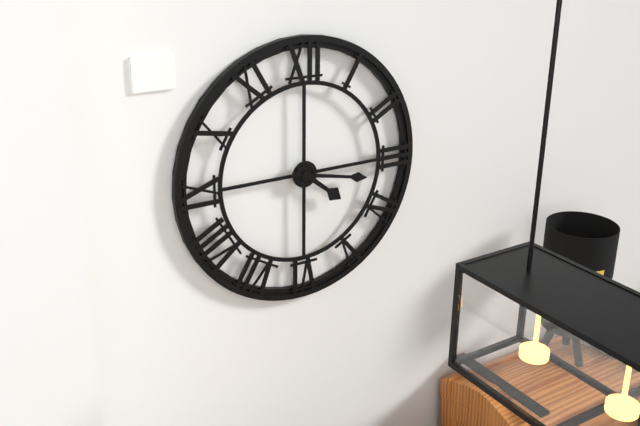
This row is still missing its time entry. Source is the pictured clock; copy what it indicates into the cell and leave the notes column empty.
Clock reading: 4:17
